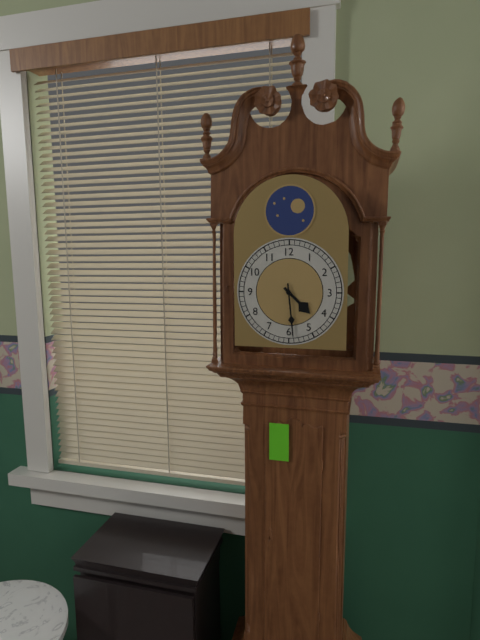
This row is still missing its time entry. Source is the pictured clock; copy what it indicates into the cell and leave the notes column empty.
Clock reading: 4:29
